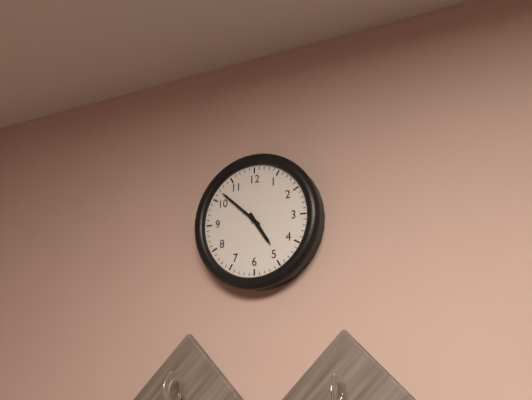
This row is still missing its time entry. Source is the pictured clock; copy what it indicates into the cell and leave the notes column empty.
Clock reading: 4:52
